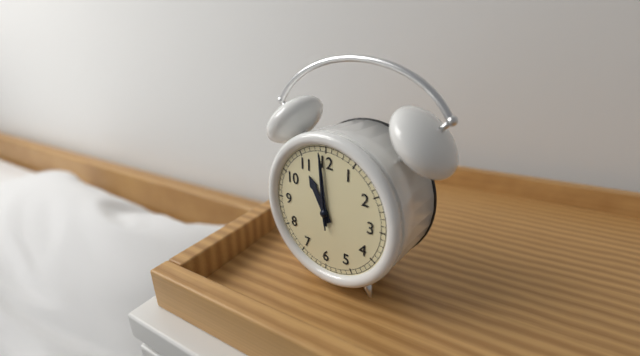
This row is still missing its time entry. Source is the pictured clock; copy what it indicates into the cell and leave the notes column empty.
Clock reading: 10:59:59
